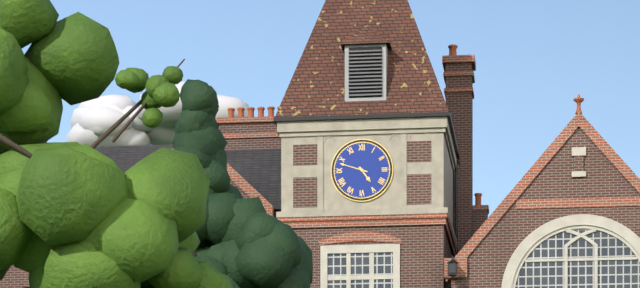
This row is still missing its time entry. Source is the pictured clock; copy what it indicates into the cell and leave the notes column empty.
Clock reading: 4:48
